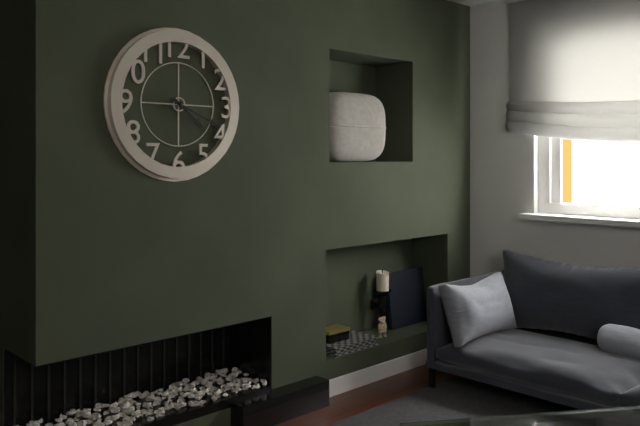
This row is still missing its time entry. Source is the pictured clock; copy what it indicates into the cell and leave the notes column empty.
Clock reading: 4:19
